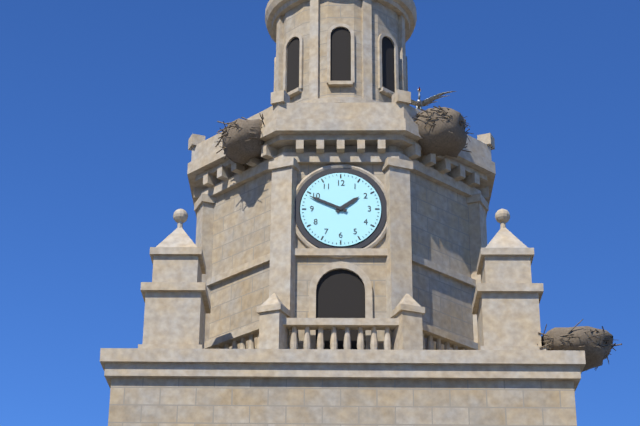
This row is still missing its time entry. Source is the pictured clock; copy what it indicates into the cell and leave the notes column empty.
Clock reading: 1:49
